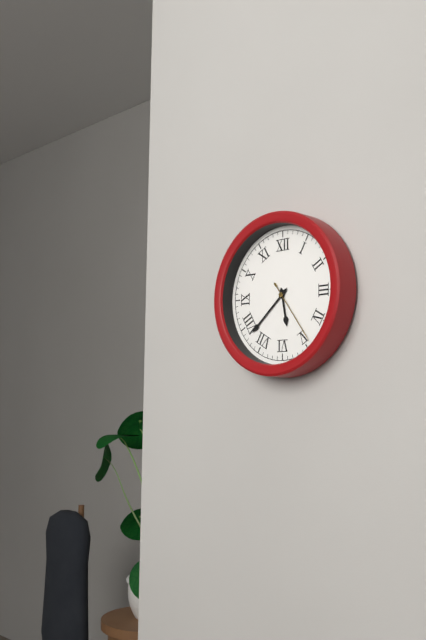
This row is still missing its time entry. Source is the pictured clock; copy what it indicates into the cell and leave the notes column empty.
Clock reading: 5:38:24
